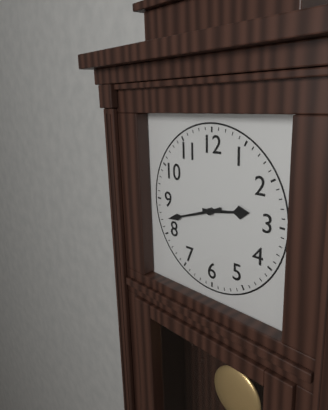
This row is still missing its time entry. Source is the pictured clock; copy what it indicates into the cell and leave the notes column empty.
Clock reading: 2:42
